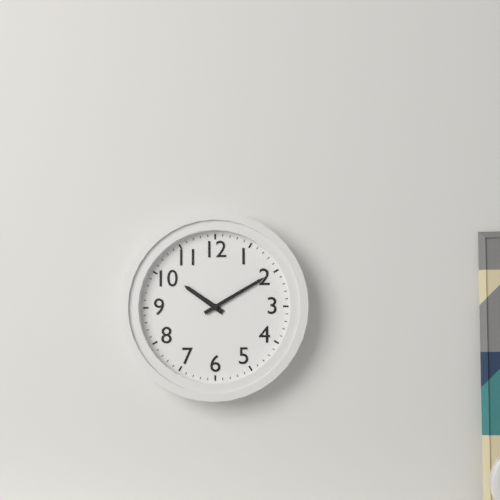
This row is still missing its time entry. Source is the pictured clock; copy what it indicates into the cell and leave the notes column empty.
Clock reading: 10:10
